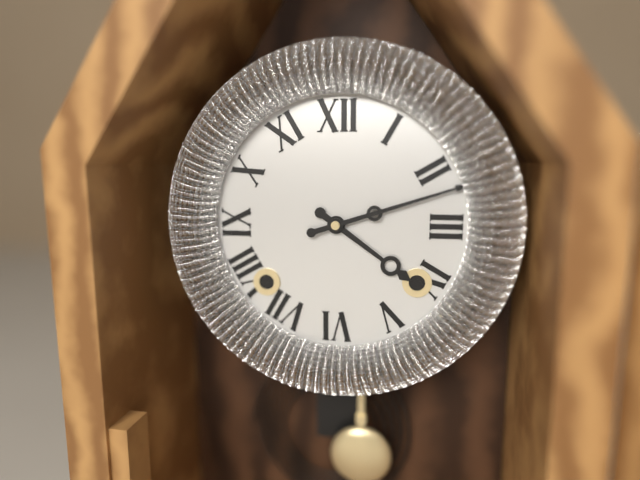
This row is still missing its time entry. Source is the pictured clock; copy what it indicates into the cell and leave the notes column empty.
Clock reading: 4:12
